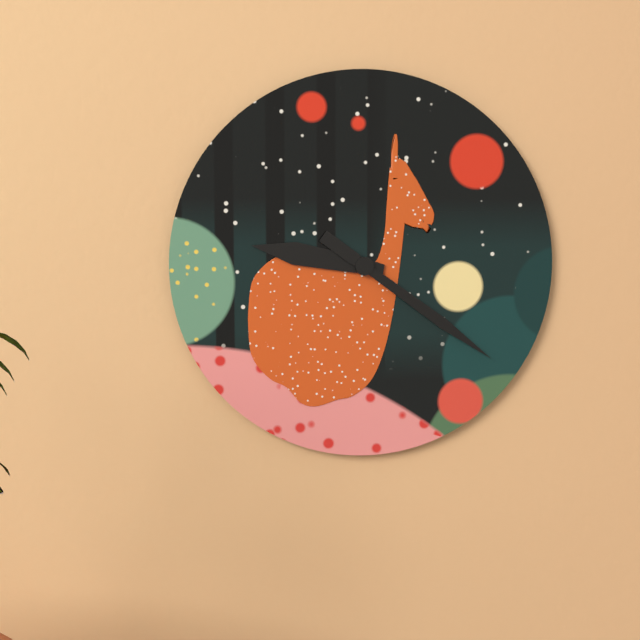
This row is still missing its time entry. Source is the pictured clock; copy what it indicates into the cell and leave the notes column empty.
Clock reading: 9:21
